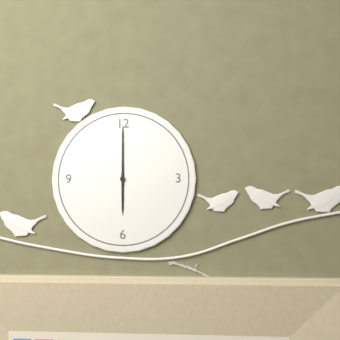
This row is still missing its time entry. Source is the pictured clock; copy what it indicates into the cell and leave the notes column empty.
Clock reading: 6:00
